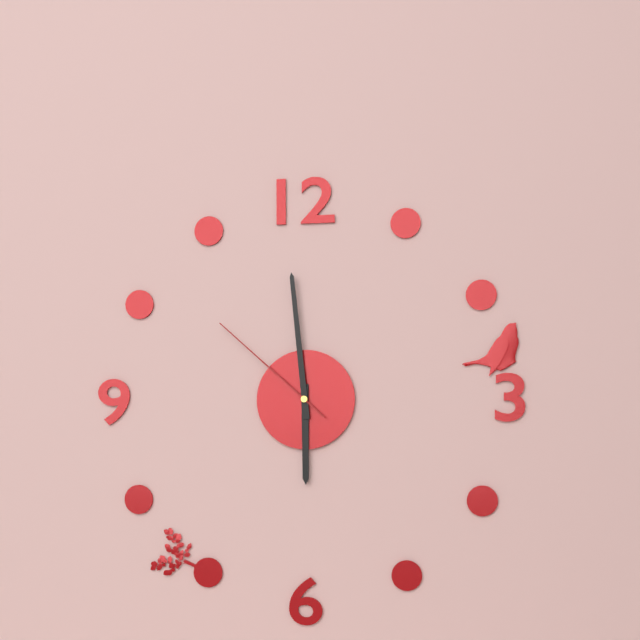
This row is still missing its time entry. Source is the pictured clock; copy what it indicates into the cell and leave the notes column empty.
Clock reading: 5:59:52
